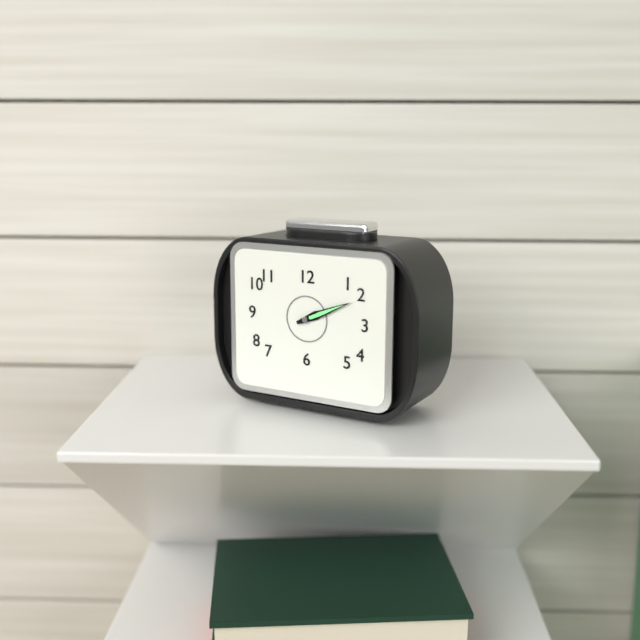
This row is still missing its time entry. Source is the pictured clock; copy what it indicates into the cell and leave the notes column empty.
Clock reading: 2:11
